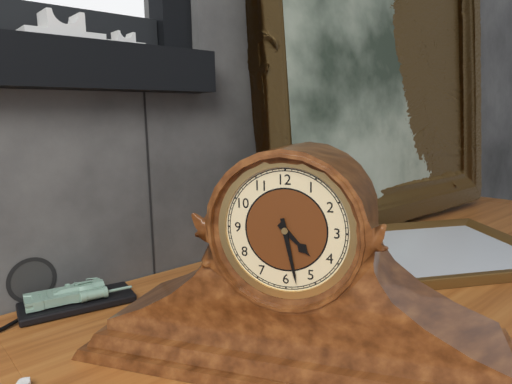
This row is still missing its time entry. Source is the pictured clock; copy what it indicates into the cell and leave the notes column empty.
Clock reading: 4:28
